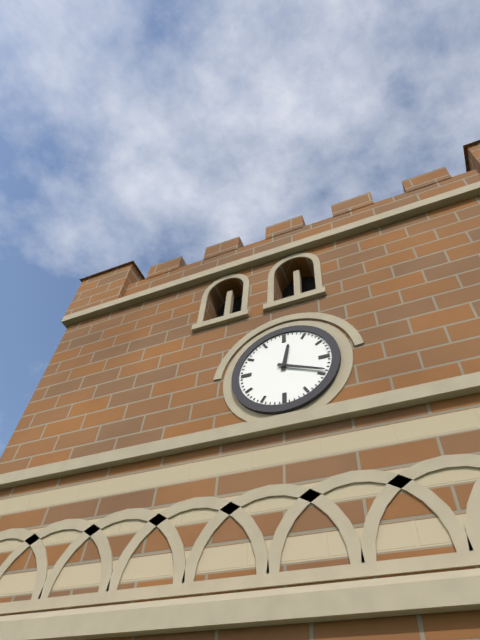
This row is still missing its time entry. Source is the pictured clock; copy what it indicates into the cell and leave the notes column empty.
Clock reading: 12:19
